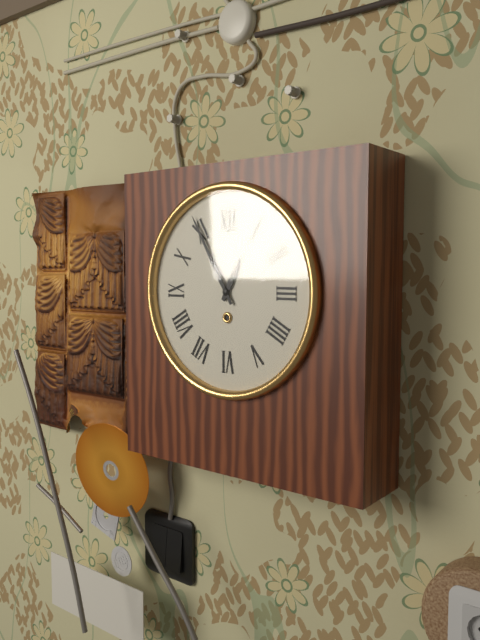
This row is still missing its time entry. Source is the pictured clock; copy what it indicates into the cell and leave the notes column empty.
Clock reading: 12:55
